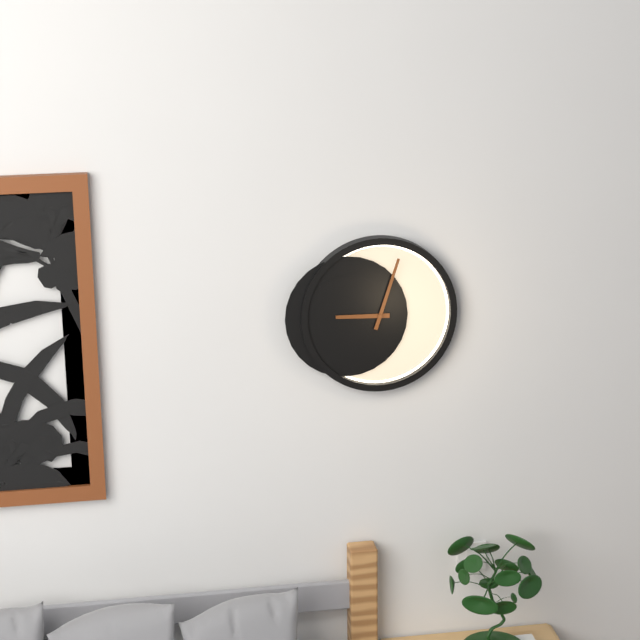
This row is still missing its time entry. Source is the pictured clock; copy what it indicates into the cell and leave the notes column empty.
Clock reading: 9:03
